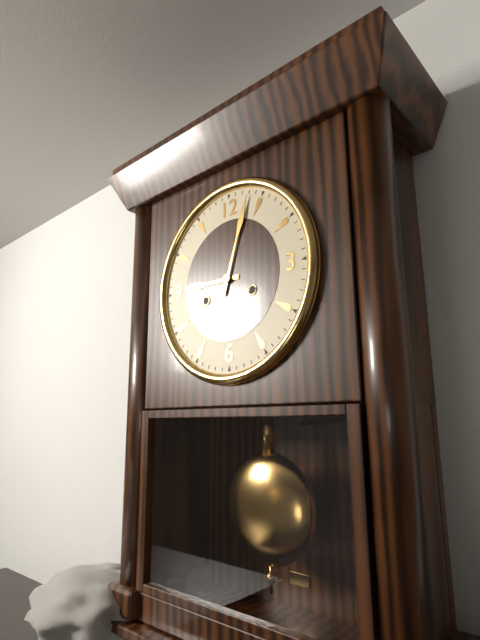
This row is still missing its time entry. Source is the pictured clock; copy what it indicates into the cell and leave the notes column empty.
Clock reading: 9:03
